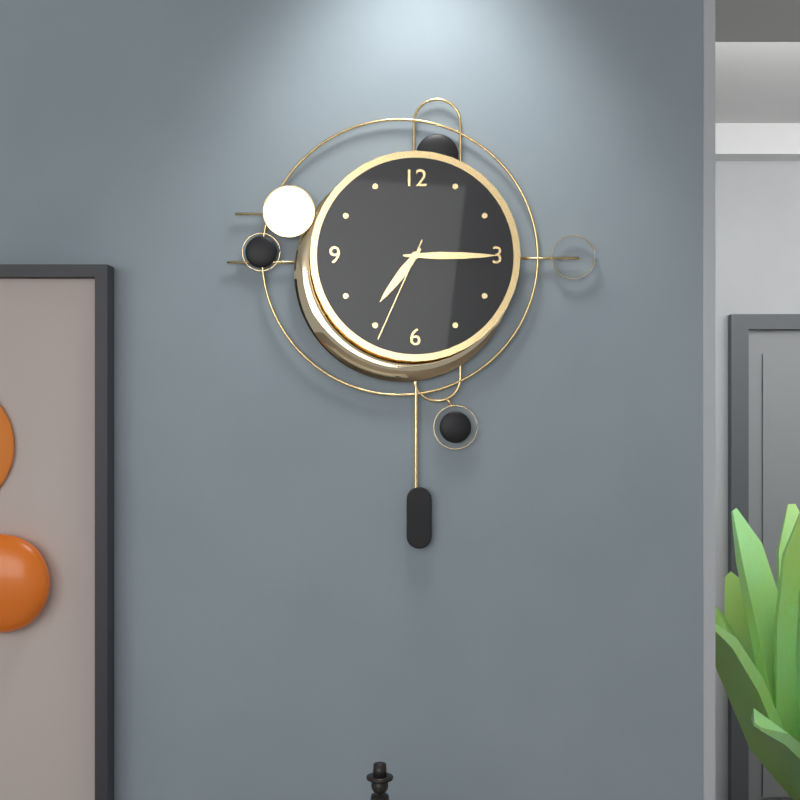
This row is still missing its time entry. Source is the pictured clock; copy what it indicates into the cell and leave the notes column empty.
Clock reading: 7:15:34
